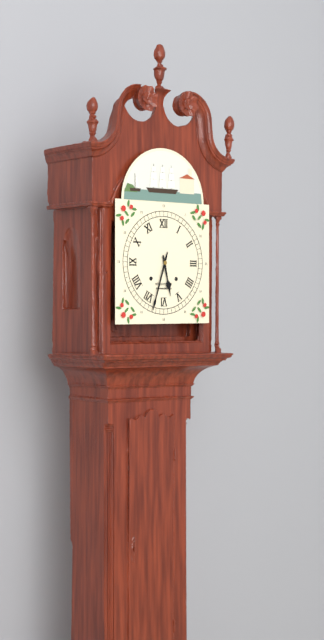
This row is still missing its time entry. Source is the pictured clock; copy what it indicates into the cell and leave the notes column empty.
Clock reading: 5:33
